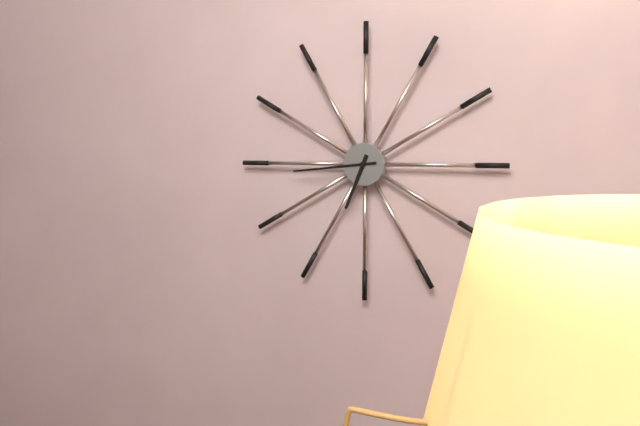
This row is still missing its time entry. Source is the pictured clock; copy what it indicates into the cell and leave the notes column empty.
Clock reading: 6:44
